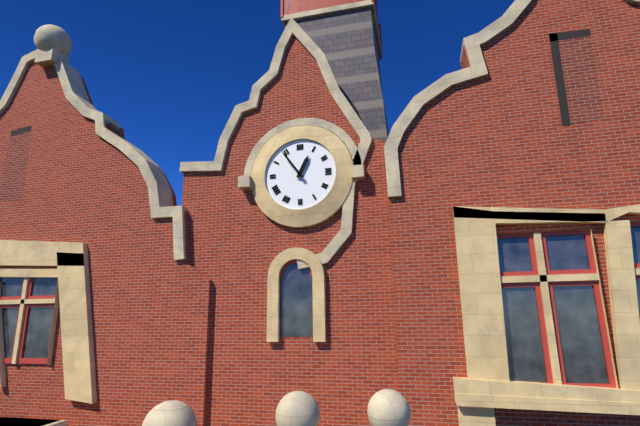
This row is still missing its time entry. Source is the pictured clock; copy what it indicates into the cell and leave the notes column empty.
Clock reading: 12:54
